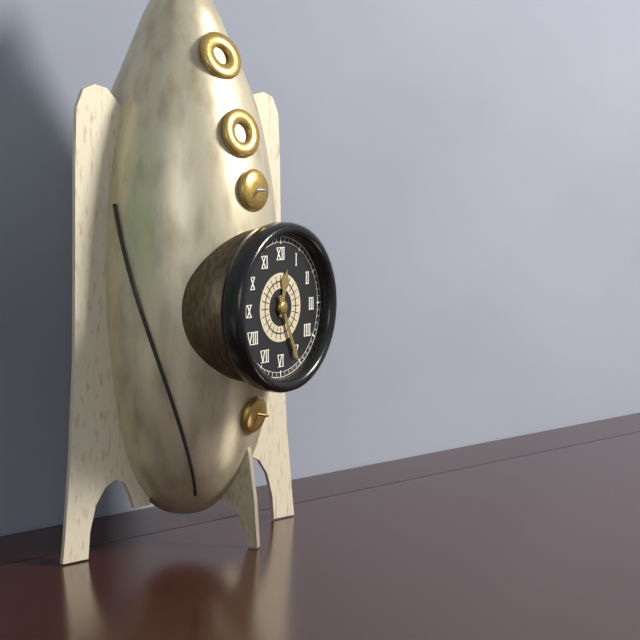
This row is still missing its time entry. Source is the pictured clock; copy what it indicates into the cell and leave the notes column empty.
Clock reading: 12:26
